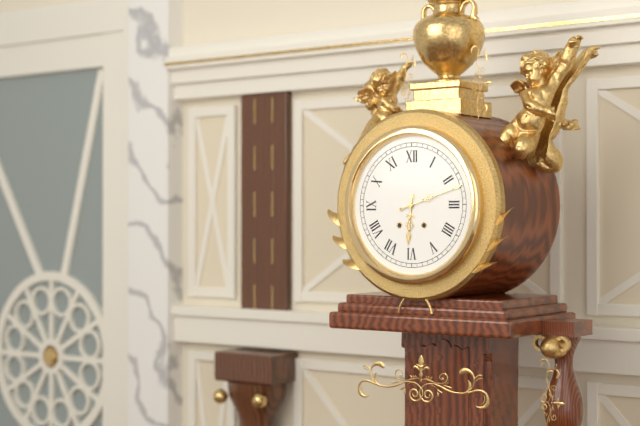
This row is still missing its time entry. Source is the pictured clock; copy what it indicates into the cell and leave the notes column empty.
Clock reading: 6:12
